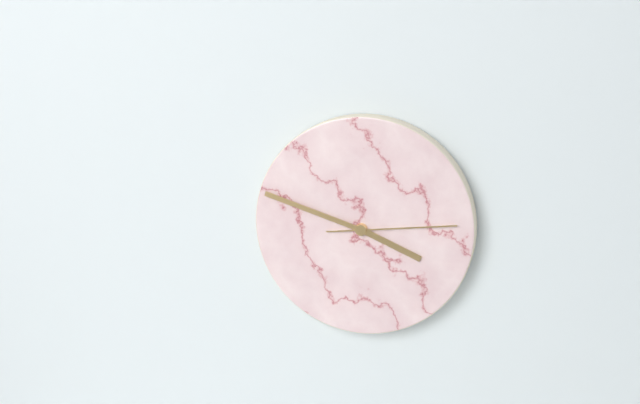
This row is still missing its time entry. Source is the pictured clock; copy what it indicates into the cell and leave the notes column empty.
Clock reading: 3:48:14
